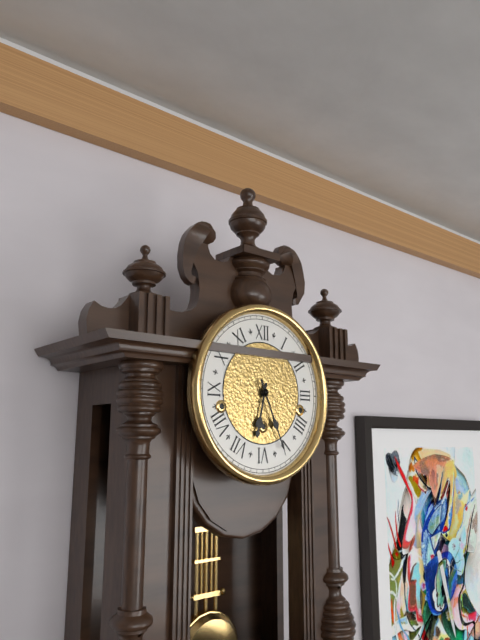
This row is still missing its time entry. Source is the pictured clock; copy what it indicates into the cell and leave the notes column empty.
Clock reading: 6:26
